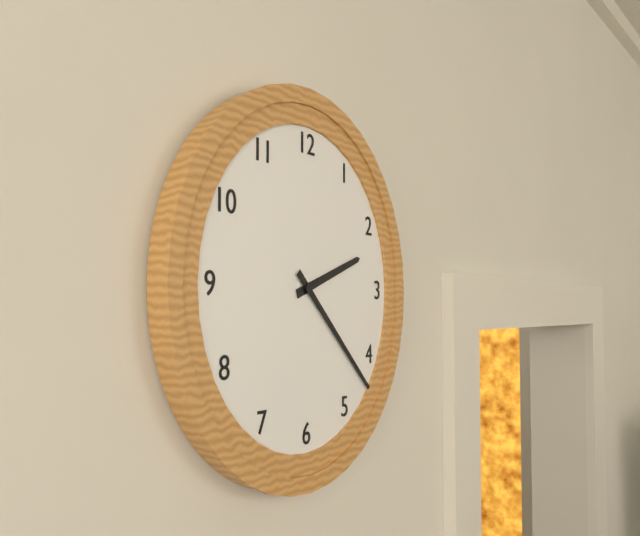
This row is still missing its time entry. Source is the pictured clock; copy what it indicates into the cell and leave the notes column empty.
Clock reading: 2:22
